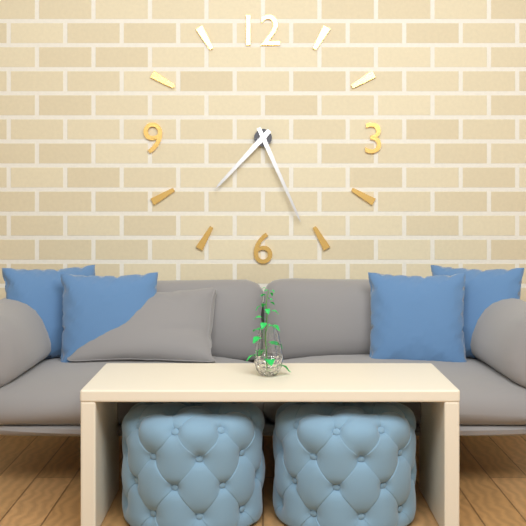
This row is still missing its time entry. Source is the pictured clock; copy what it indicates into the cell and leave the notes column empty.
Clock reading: 7:26
